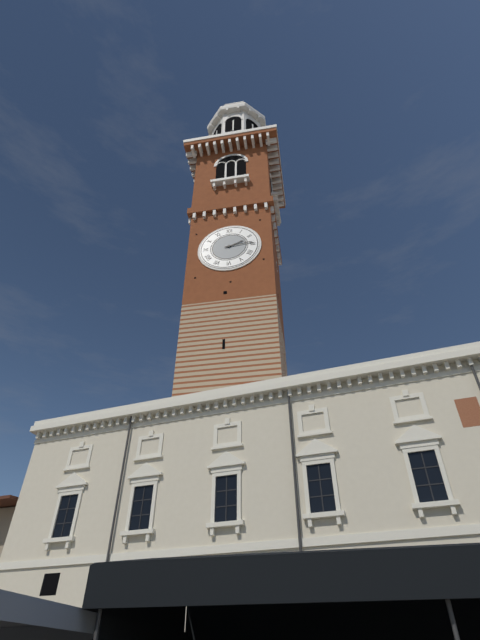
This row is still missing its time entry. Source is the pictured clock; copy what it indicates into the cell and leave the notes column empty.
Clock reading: 2:14
